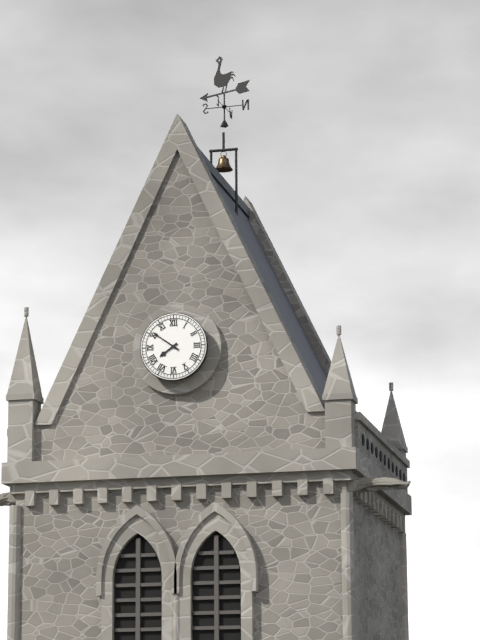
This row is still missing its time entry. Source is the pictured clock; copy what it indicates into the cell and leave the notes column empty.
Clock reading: 7:51
